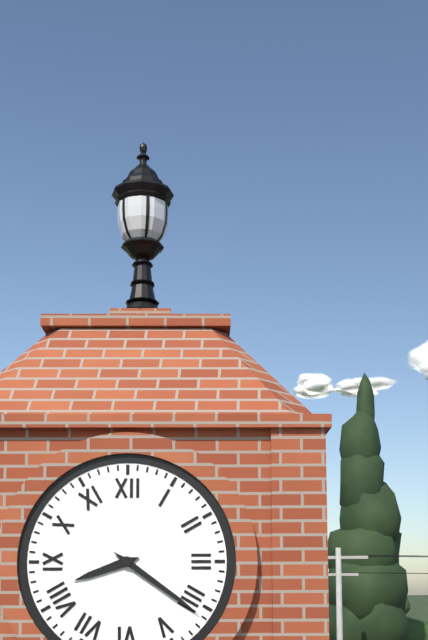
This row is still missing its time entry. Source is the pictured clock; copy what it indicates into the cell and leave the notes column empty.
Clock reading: 8:21
